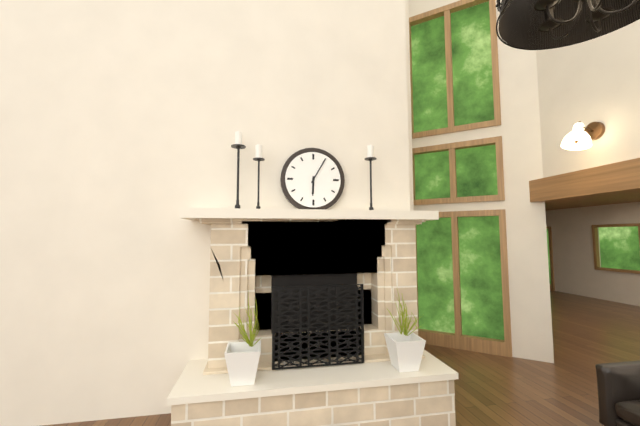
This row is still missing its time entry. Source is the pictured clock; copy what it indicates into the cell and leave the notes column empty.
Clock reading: 6:05
